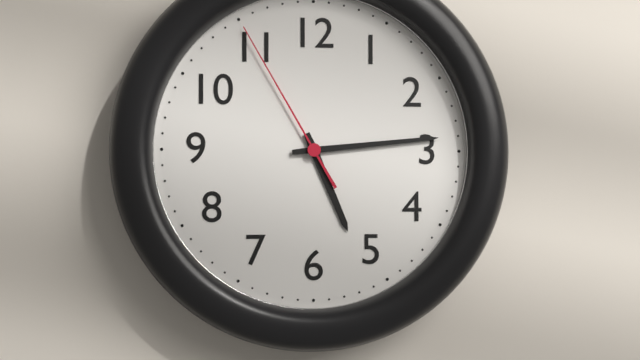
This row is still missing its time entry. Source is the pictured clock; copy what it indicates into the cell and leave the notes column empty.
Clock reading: 5:14:55
